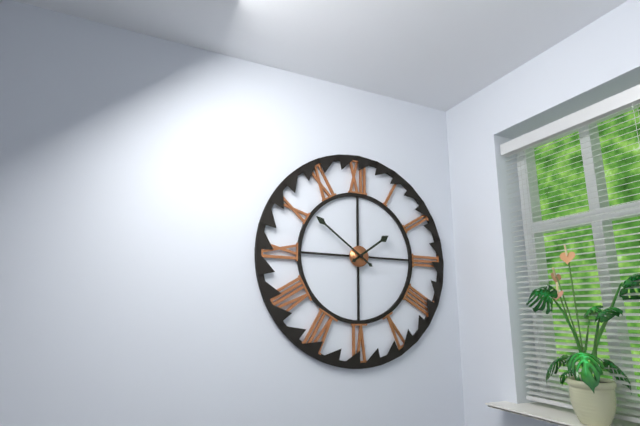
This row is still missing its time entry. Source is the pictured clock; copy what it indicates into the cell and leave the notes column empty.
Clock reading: 1:51
